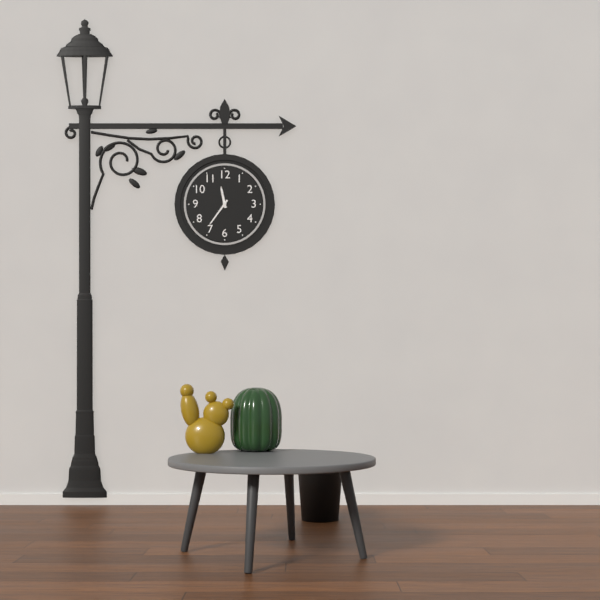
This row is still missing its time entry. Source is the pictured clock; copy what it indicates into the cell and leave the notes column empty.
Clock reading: 11:36
